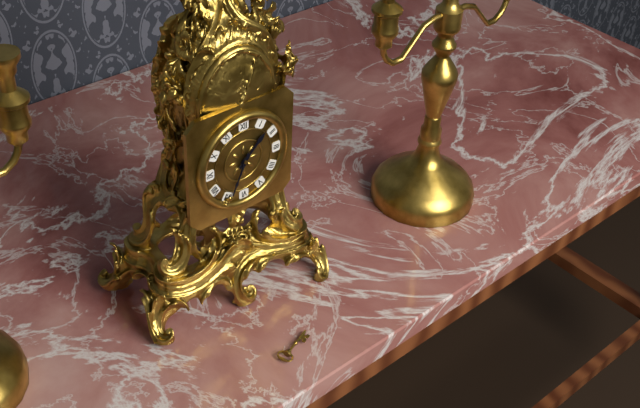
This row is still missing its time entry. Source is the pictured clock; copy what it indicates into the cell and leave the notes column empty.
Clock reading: 1:34
